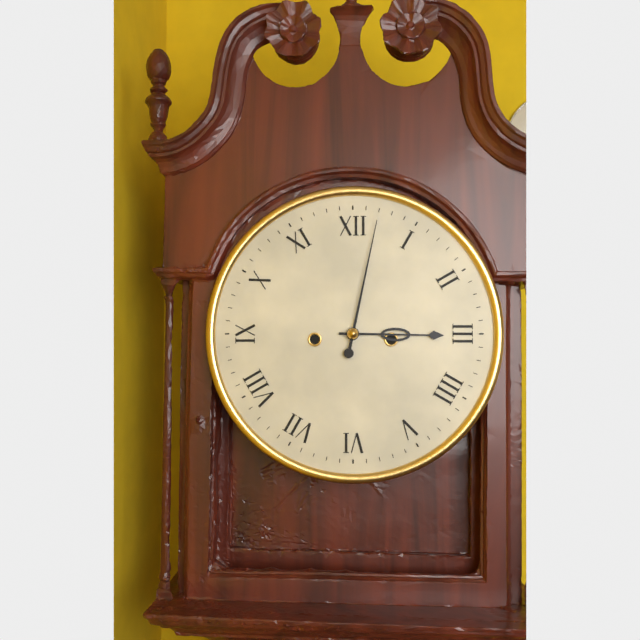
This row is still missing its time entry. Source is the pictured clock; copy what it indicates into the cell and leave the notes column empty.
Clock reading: 3:02
